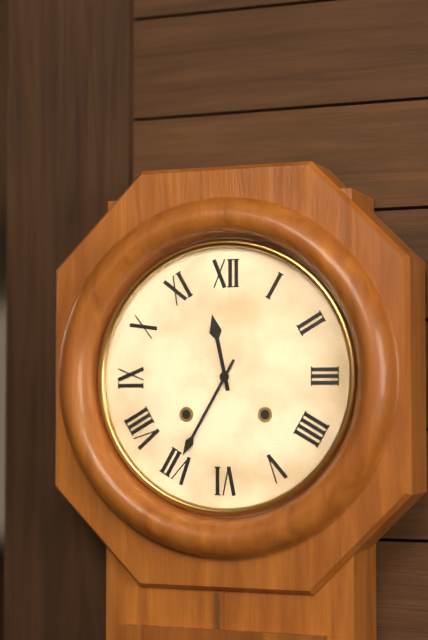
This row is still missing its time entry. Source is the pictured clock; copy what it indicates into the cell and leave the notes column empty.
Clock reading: 11:35
